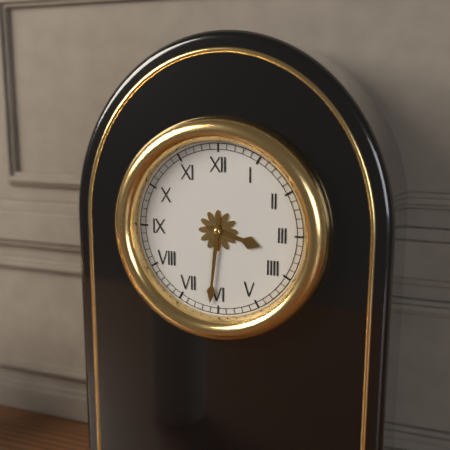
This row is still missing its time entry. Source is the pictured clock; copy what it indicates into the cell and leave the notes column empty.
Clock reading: 3:31
